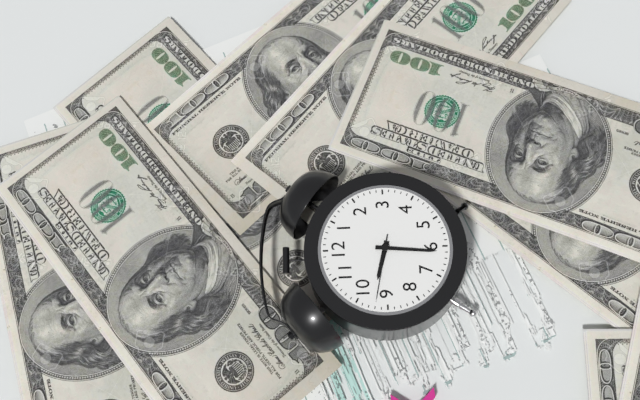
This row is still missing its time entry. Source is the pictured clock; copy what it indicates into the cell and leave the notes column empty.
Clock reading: 9:31:47
